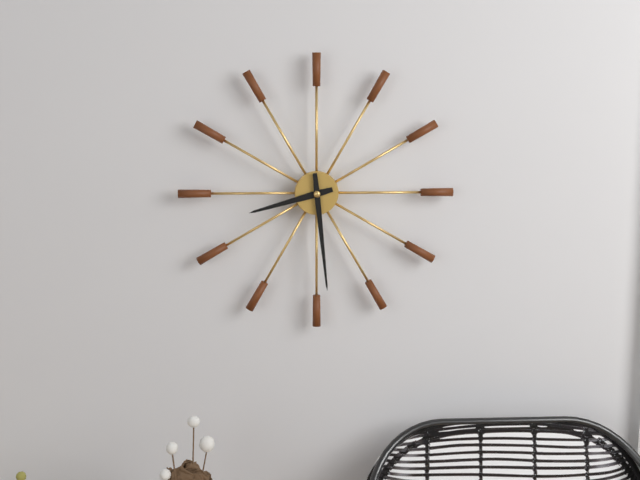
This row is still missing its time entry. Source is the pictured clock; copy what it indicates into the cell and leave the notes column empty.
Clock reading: 8:29
